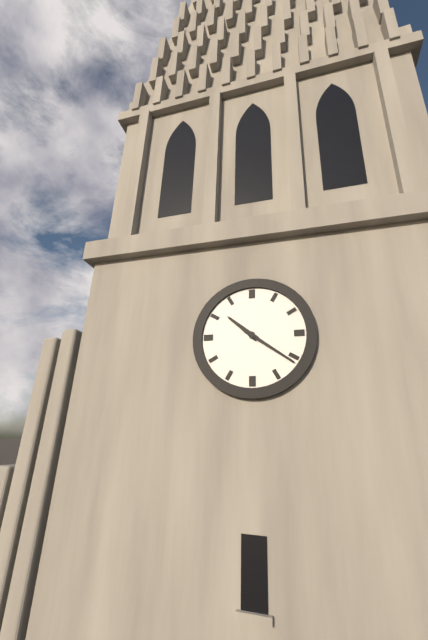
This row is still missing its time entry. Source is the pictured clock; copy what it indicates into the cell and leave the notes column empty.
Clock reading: 10:21
